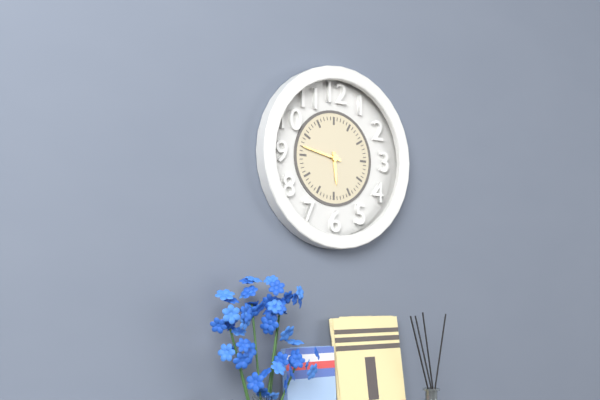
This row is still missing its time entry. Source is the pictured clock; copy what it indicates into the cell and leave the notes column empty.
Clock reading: 5:47
